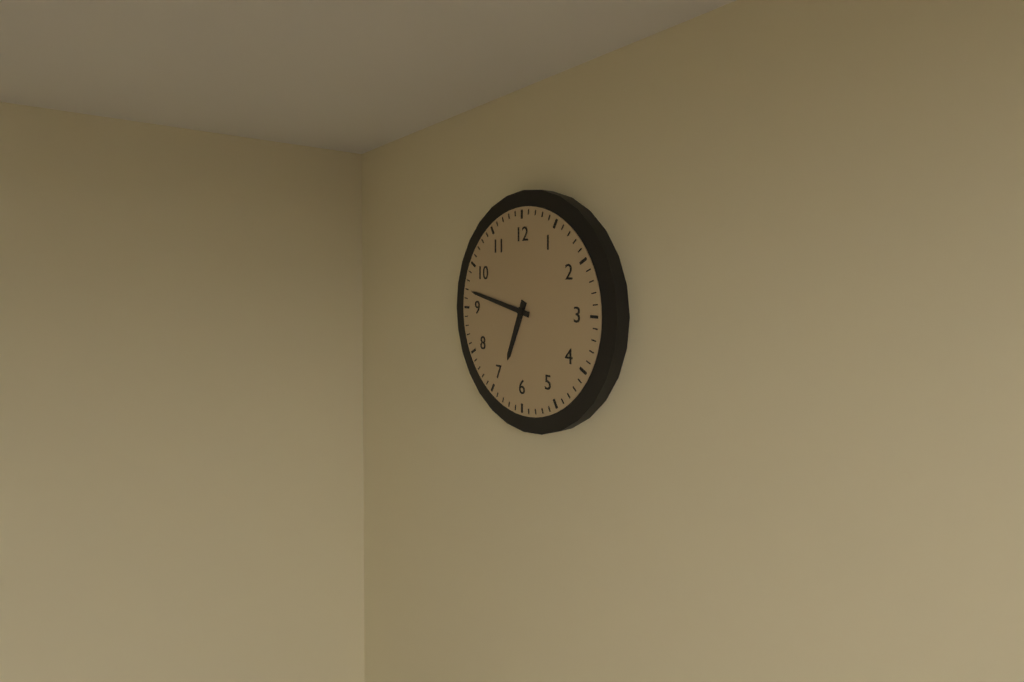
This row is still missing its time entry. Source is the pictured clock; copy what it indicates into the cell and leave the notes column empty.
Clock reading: 6:47
